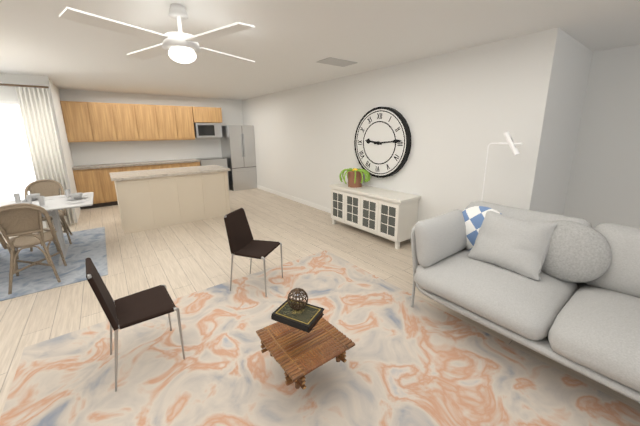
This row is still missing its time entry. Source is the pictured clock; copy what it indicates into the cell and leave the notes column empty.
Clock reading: 9:14
